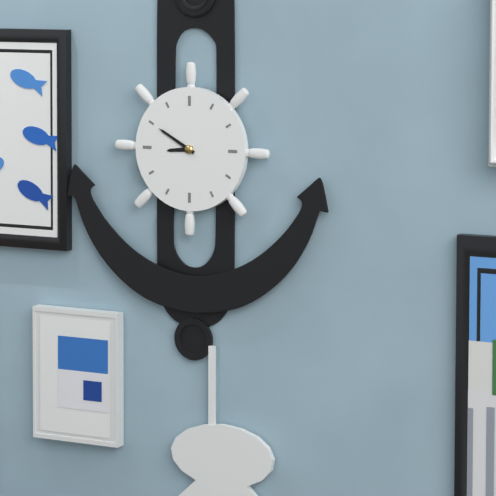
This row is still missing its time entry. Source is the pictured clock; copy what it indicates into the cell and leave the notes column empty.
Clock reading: 8:50
